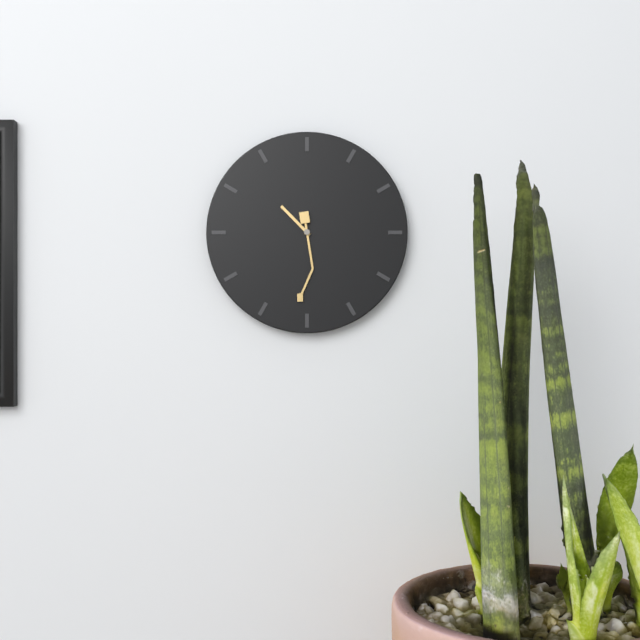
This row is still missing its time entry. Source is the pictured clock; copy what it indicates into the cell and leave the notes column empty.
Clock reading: 10:31
